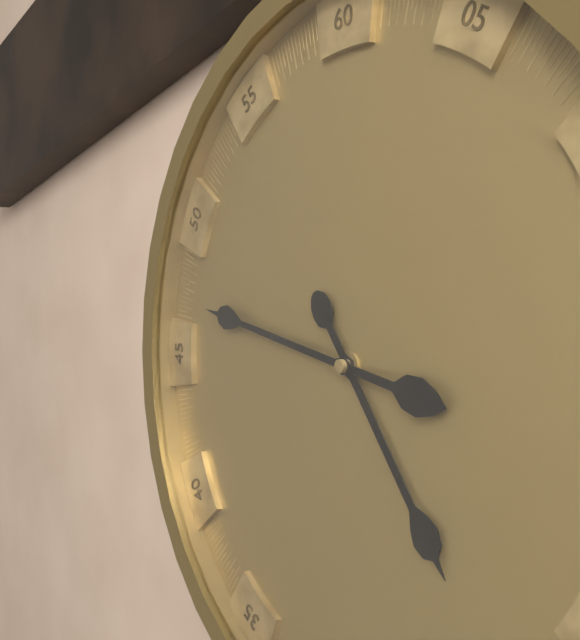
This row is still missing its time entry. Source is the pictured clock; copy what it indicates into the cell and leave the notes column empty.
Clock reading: 4:47
